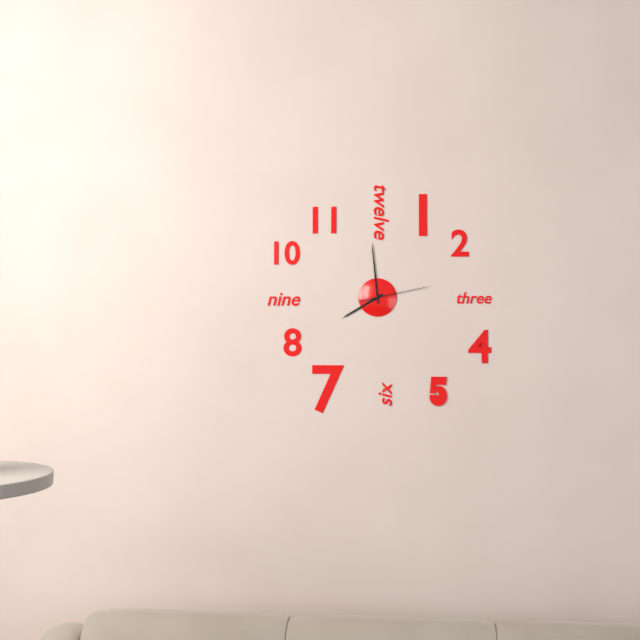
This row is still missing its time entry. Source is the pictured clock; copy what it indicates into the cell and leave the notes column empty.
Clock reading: 7:59:13
